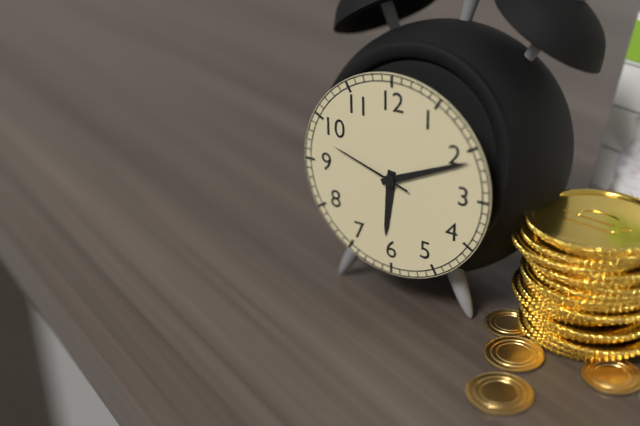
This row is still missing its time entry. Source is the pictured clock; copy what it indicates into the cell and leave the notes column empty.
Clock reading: 6:11:48
